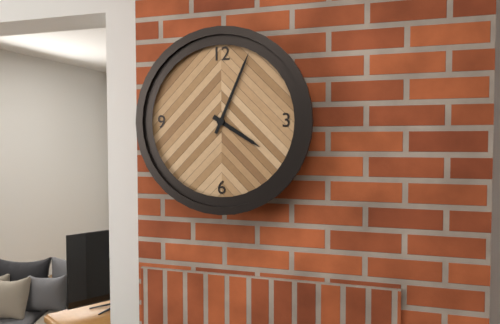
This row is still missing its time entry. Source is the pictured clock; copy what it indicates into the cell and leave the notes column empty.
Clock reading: 4:04
